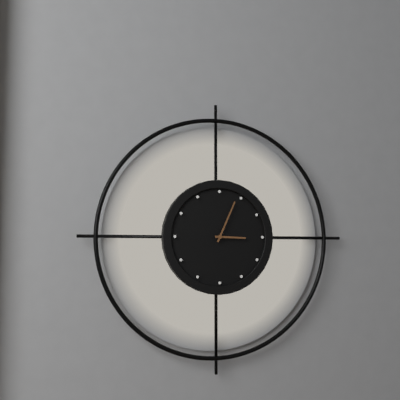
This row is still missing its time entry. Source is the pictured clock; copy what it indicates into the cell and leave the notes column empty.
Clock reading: 3:04
